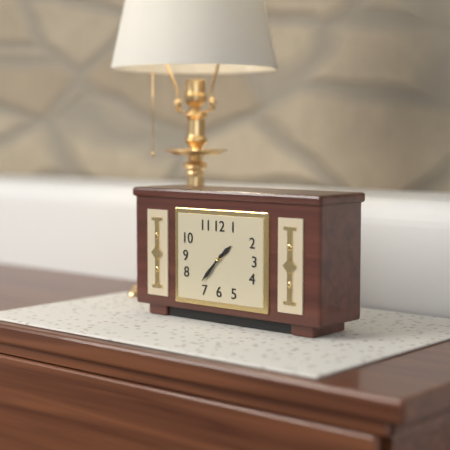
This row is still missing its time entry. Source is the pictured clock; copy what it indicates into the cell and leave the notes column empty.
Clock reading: 1:37
